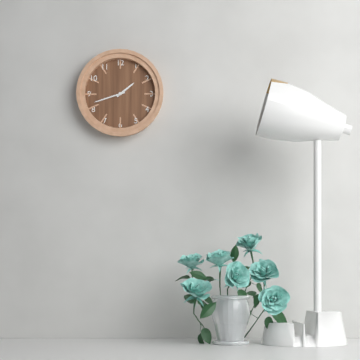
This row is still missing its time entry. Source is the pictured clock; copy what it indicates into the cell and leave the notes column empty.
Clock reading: 1:42
